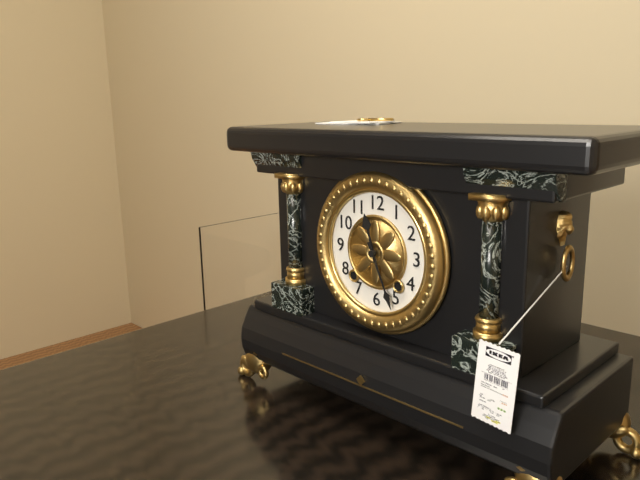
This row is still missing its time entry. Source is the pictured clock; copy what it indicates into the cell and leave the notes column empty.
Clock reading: 11:26
